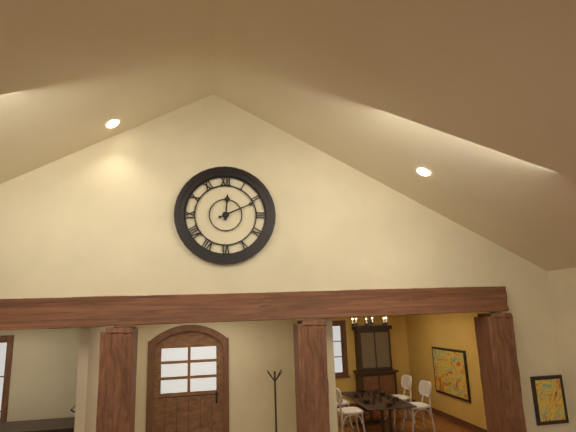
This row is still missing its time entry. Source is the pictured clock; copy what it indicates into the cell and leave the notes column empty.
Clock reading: 12:11
